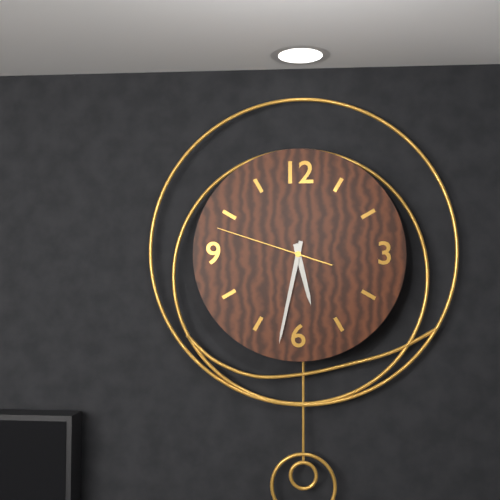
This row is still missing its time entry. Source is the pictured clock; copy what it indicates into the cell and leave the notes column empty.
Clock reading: 5:32:48
